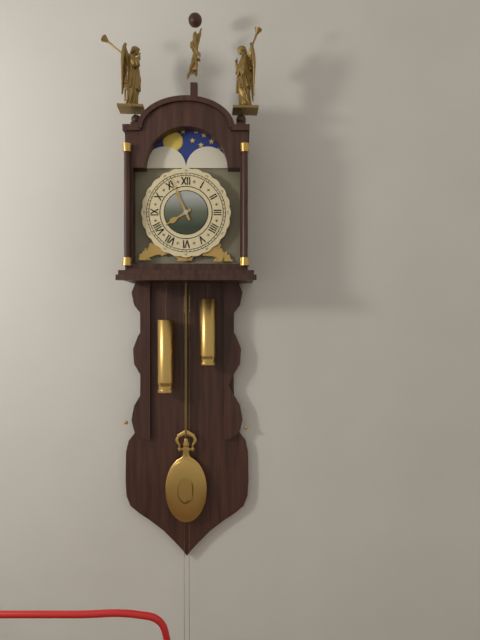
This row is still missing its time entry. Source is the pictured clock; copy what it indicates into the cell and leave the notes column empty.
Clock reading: 7:56
